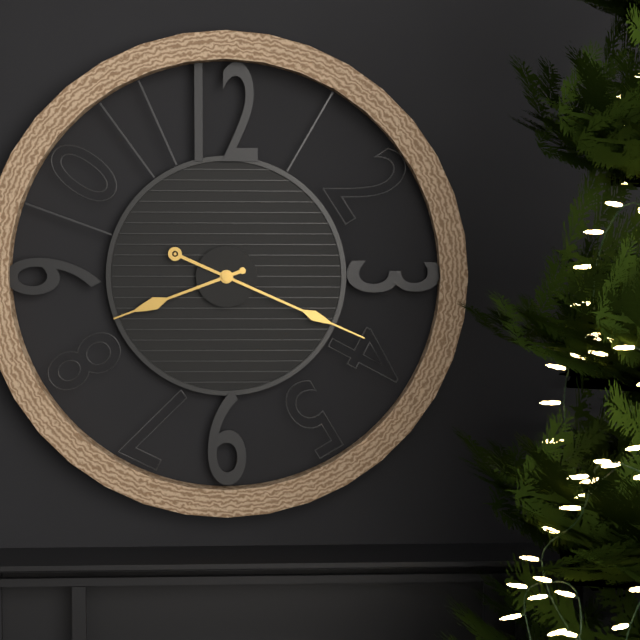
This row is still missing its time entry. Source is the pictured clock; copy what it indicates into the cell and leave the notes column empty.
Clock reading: 8:19
